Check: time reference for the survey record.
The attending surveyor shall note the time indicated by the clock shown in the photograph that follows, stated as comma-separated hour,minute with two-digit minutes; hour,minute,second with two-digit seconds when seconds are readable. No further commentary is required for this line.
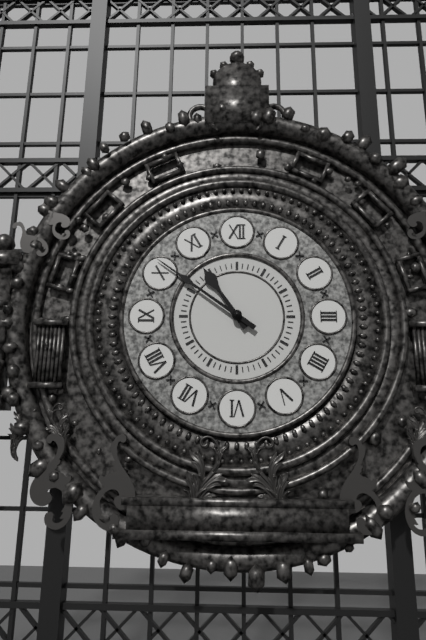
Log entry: 10,51
